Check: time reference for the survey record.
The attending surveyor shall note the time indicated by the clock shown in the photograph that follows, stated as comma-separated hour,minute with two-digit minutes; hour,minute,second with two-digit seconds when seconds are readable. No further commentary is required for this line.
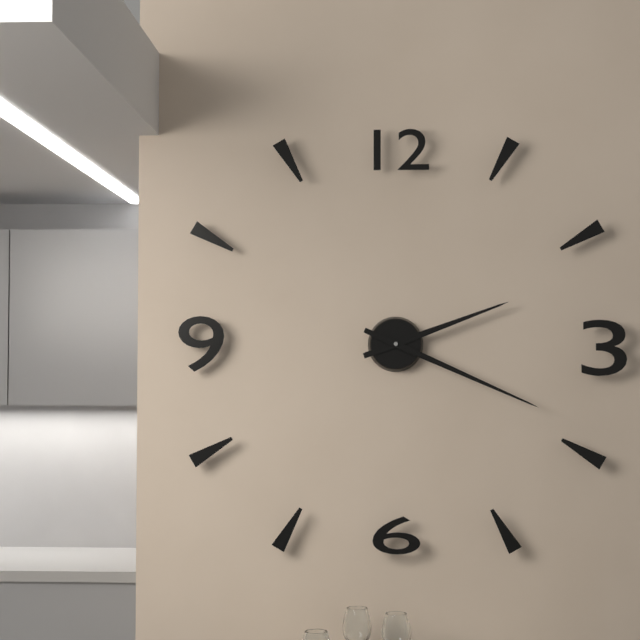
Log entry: 2,19
